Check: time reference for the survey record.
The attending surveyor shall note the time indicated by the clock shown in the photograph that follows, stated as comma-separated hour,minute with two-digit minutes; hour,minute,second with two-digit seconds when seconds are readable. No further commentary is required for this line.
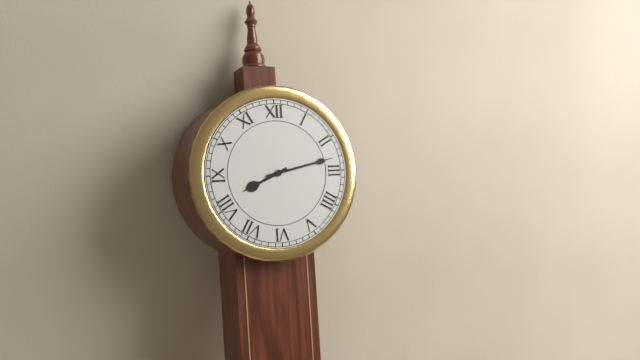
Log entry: 8,13
